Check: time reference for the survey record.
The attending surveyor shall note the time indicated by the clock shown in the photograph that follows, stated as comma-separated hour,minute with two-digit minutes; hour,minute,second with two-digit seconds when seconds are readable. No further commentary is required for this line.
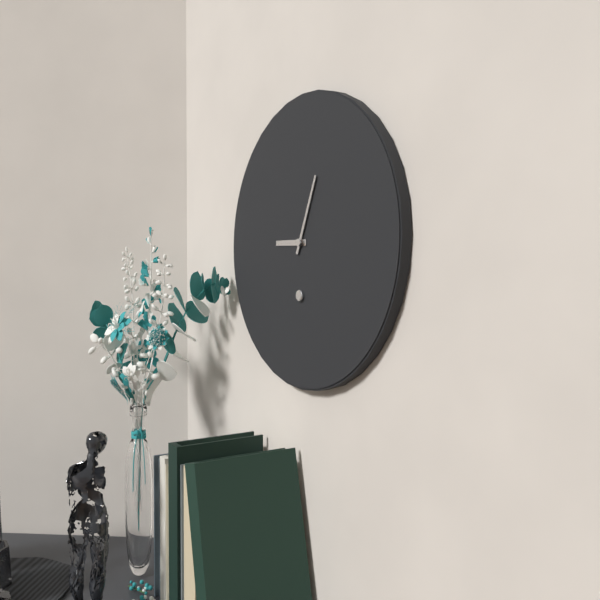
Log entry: 9,04
